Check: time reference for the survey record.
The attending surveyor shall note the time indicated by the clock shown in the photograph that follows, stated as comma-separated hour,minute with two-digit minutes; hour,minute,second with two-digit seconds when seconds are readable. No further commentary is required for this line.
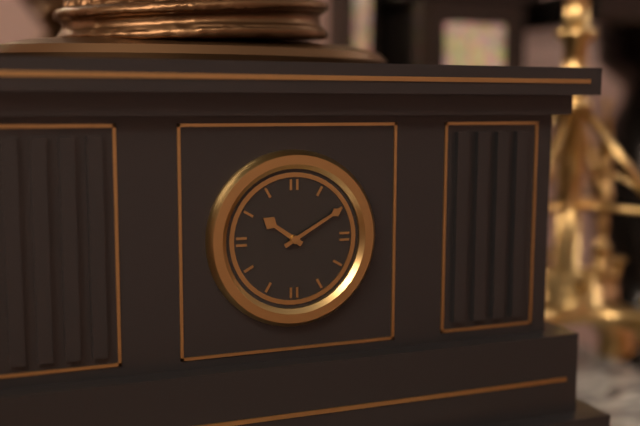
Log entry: 10,10
